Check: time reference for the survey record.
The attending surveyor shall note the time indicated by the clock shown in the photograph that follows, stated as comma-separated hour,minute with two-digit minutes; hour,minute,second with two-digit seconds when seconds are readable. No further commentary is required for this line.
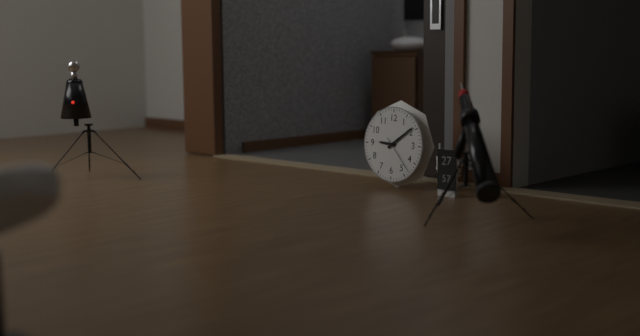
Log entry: 9,09
